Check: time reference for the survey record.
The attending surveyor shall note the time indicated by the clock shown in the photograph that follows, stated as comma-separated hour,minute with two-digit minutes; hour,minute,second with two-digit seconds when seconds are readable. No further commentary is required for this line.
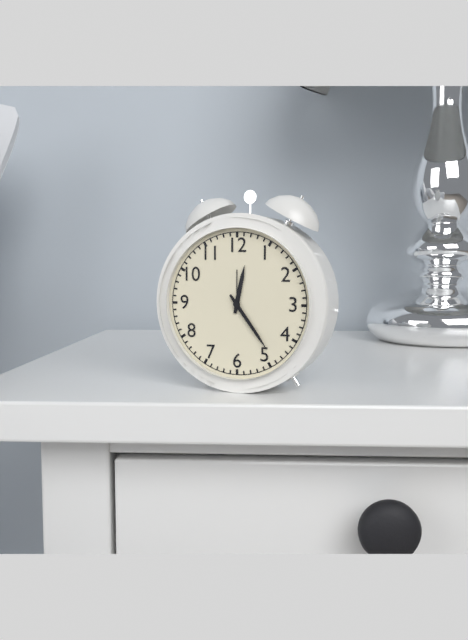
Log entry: 12,24
